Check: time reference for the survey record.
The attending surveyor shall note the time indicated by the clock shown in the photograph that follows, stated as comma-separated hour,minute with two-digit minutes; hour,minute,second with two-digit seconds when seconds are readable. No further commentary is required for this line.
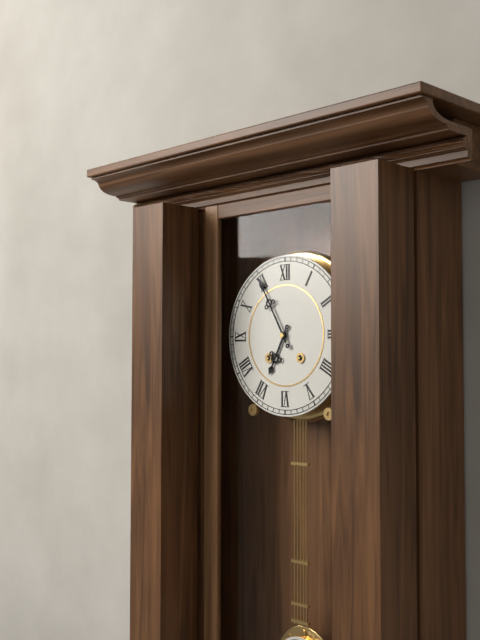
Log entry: 6,55
